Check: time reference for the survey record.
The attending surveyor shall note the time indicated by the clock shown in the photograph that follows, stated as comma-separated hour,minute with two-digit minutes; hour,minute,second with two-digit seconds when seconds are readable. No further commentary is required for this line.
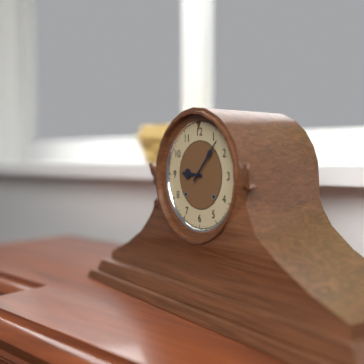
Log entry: 9,07
